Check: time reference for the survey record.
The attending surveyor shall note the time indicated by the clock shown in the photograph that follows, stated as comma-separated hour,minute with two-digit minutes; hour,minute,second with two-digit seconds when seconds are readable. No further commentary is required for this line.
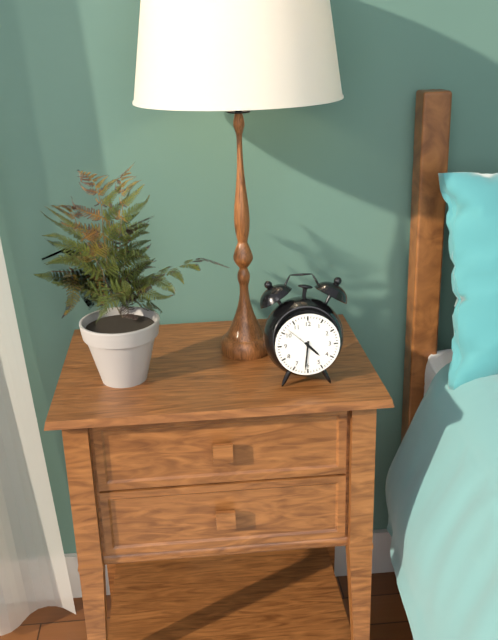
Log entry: 4,31
